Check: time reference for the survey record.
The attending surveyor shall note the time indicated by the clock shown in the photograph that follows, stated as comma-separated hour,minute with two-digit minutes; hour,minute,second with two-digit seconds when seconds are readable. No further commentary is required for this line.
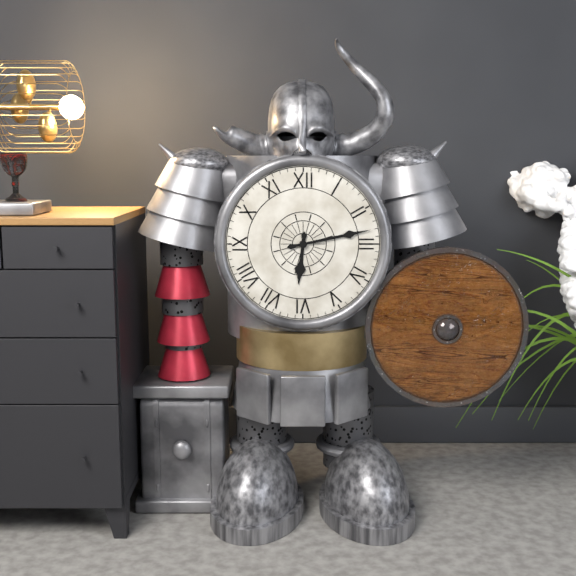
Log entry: 6,13
